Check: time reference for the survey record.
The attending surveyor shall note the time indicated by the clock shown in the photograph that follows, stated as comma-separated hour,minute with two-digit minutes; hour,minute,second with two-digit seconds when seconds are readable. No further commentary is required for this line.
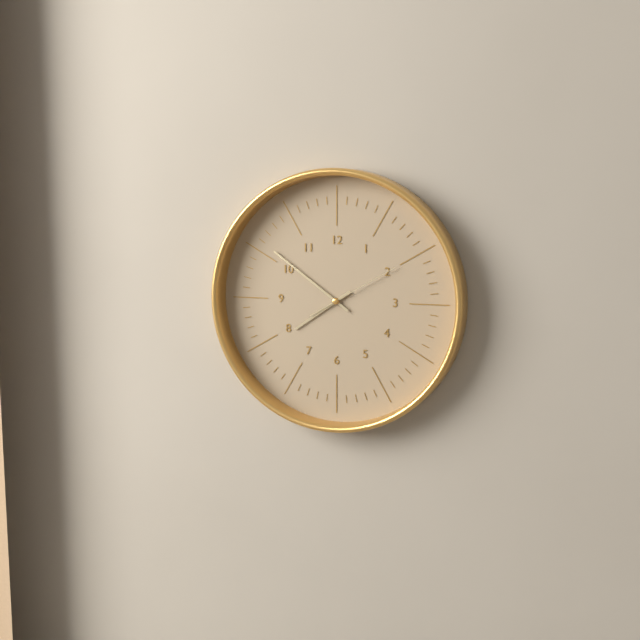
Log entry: 7,51,10
